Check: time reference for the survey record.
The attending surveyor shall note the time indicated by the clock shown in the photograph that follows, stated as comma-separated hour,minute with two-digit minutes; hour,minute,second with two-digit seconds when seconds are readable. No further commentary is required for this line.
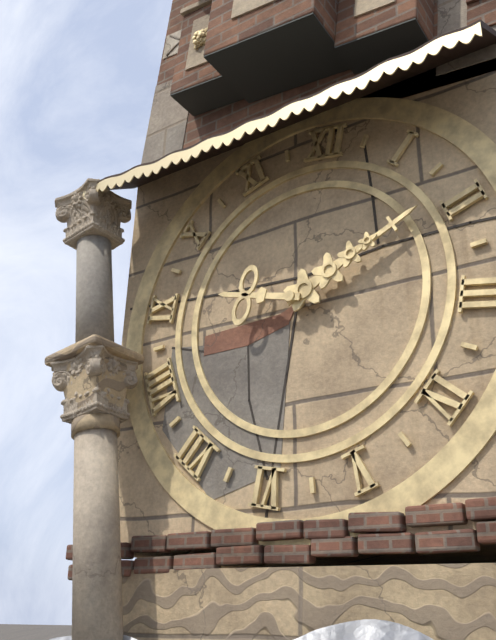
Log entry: 9,09
